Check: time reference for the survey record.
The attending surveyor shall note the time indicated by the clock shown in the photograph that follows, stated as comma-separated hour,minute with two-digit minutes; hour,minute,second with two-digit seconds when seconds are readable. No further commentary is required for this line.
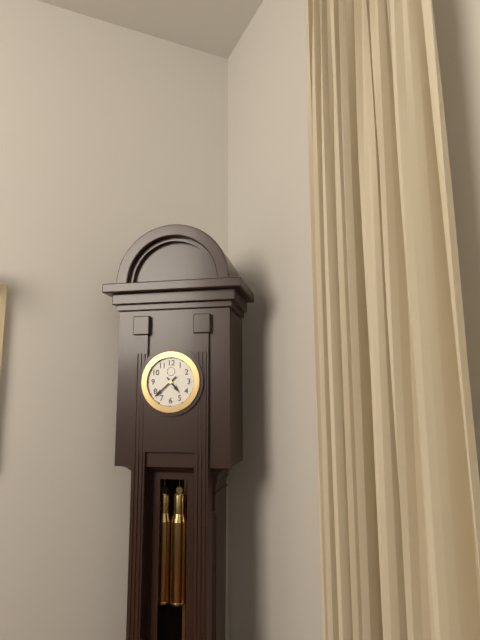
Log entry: 4,38
